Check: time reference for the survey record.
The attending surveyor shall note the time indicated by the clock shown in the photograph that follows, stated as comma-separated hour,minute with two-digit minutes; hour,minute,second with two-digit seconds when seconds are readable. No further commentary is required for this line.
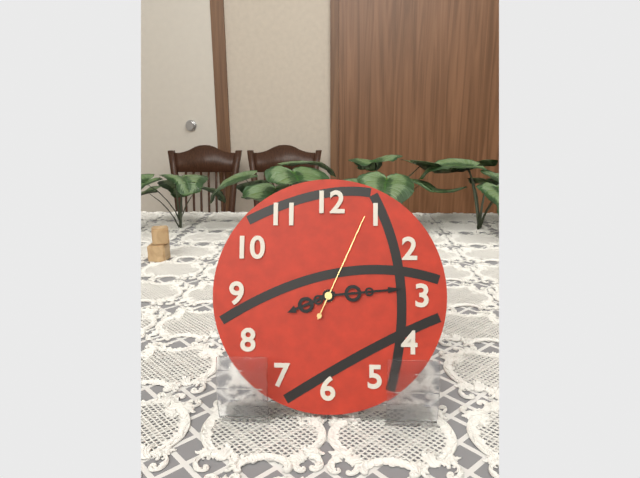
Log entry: 8,14,04
